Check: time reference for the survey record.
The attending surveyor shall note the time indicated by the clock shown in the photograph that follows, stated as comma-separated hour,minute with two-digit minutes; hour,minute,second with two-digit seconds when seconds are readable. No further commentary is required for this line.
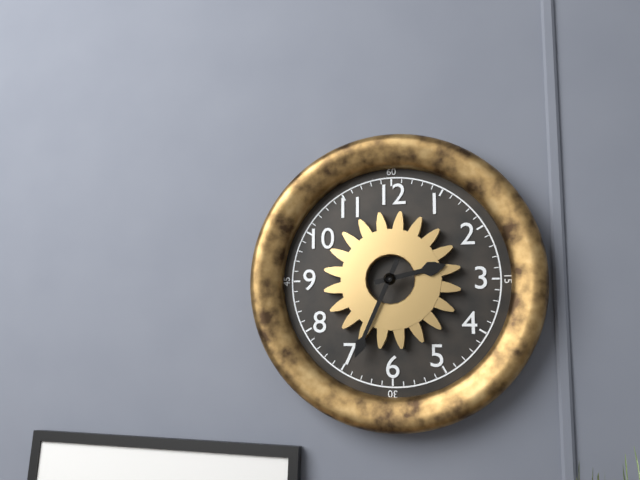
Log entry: 2,34
